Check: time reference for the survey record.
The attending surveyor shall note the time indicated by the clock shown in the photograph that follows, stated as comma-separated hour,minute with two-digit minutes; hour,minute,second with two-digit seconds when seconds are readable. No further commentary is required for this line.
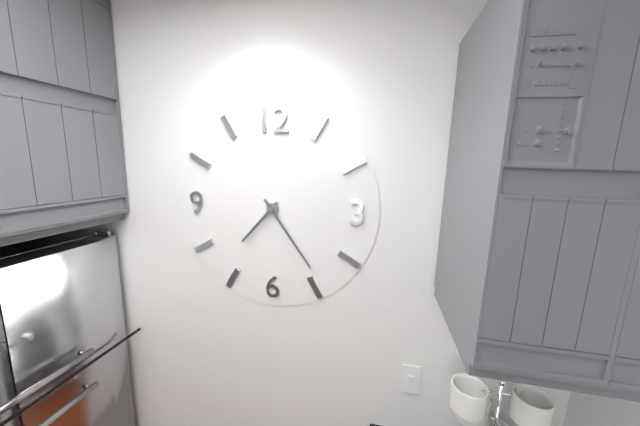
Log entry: 7,24
